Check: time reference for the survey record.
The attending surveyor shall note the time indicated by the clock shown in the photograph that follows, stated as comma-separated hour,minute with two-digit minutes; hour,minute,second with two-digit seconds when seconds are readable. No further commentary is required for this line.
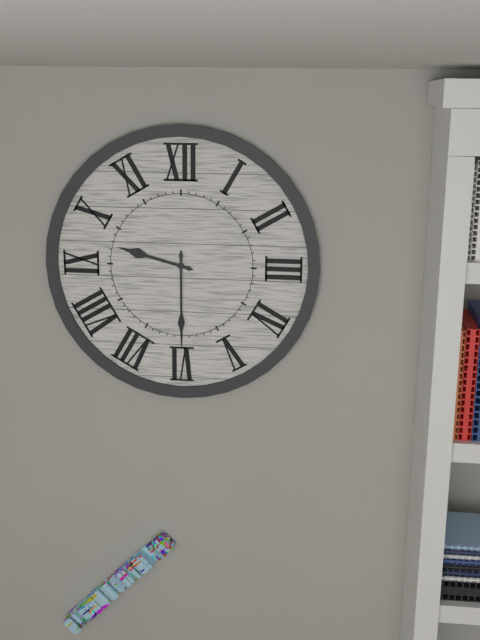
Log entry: 9,30
